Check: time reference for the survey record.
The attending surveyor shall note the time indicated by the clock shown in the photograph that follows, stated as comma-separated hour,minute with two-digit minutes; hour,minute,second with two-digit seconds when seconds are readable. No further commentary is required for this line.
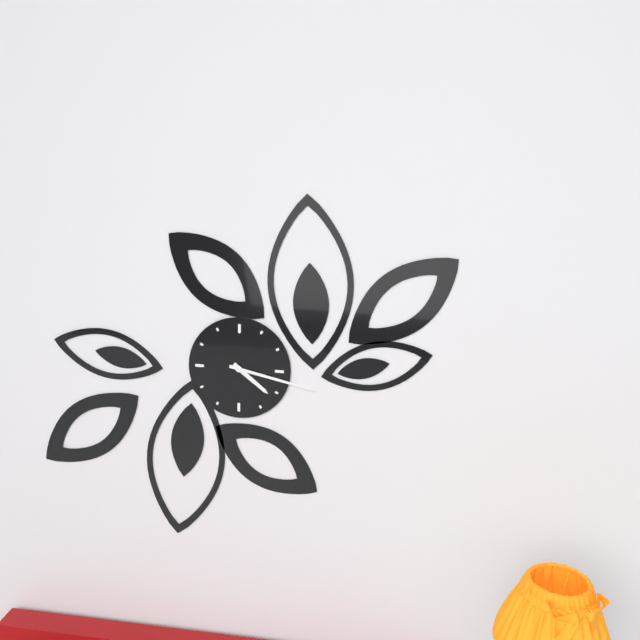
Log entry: 4,17
